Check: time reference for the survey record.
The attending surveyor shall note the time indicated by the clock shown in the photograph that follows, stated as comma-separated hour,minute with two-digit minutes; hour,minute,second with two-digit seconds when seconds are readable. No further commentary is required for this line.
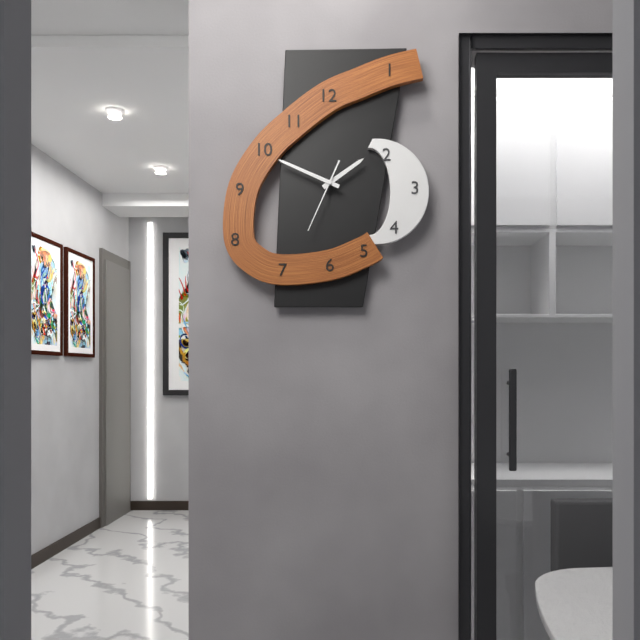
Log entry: 1,49,34
